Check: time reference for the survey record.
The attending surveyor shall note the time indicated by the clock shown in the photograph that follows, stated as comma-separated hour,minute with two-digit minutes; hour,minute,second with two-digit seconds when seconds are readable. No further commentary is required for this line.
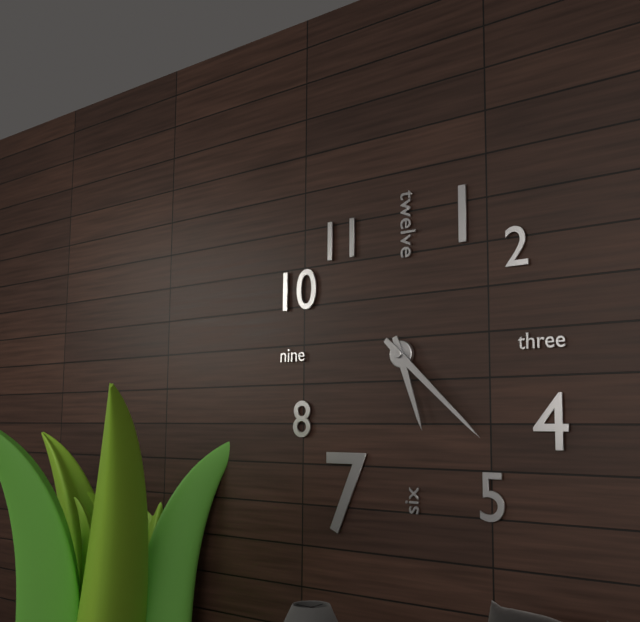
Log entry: 5,22
